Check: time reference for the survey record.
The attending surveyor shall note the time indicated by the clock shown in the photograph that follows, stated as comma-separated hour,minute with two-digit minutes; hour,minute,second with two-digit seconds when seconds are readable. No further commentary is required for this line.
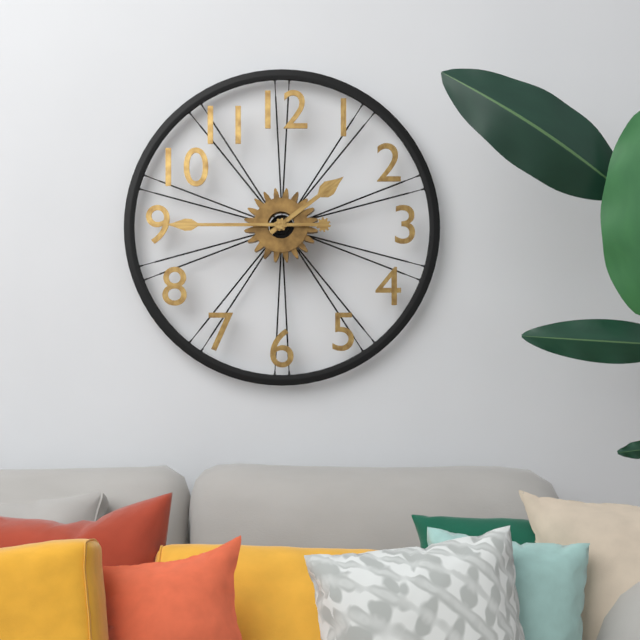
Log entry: 1,45
